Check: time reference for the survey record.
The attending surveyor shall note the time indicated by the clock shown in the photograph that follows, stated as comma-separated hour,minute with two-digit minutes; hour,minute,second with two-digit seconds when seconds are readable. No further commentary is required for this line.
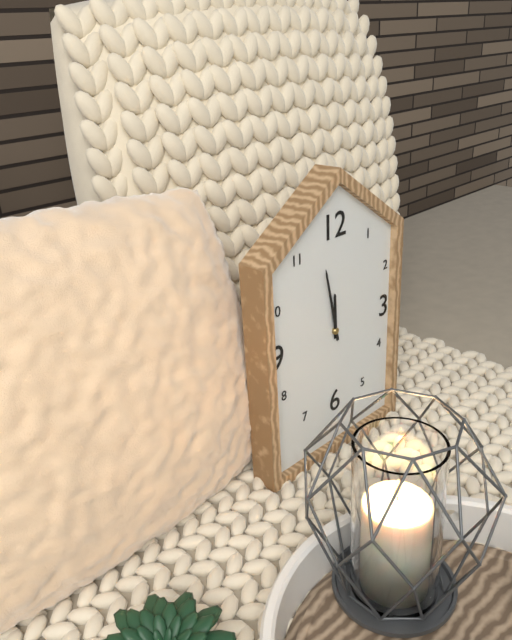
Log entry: 11,58
